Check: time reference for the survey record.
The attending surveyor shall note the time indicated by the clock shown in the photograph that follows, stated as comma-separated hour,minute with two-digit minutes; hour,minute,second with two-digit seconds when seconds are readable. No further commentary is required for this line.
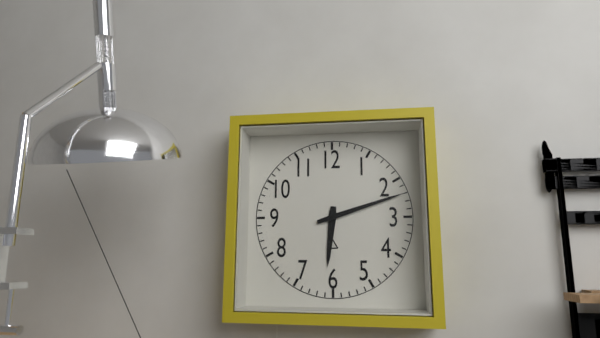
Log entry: 6,12
